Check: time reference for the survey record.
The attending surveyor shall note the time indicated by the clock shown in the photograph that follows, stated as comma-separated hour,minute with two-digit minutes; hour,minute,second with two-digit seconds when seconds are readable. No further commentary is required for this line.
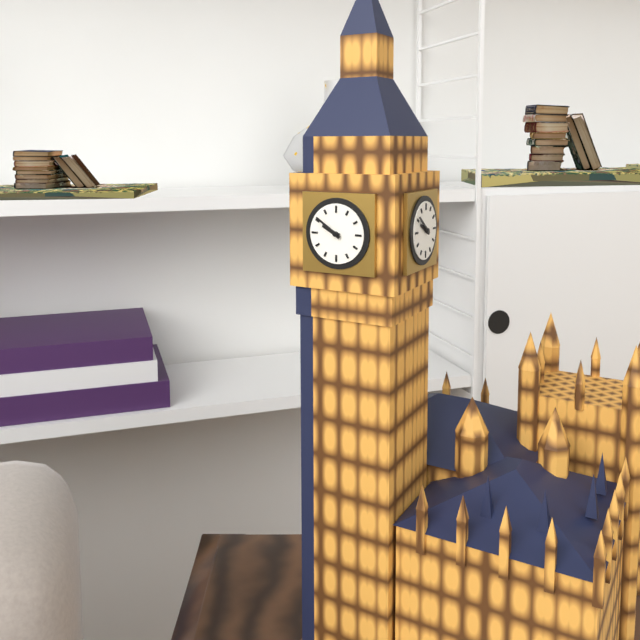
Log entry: 9,51
